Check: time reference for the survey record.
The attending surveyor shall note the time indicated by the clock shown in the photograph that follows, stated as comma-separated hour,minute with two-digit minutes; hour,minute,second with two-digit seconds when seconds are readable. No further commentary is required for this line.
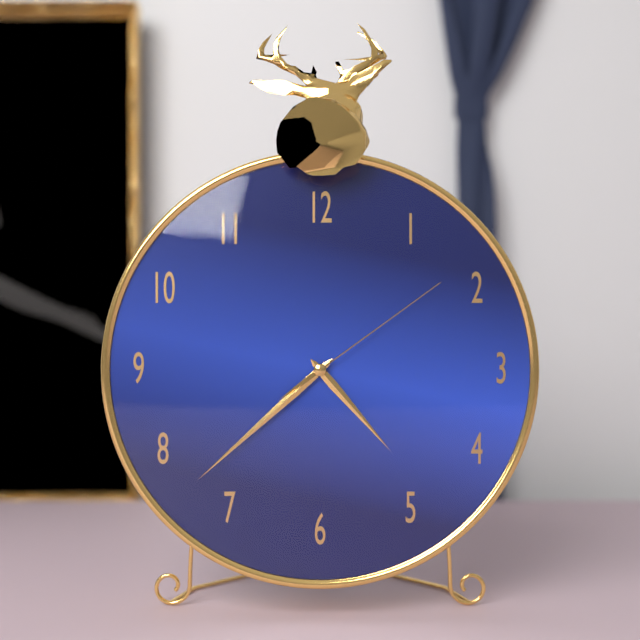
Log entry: 4,38,09
